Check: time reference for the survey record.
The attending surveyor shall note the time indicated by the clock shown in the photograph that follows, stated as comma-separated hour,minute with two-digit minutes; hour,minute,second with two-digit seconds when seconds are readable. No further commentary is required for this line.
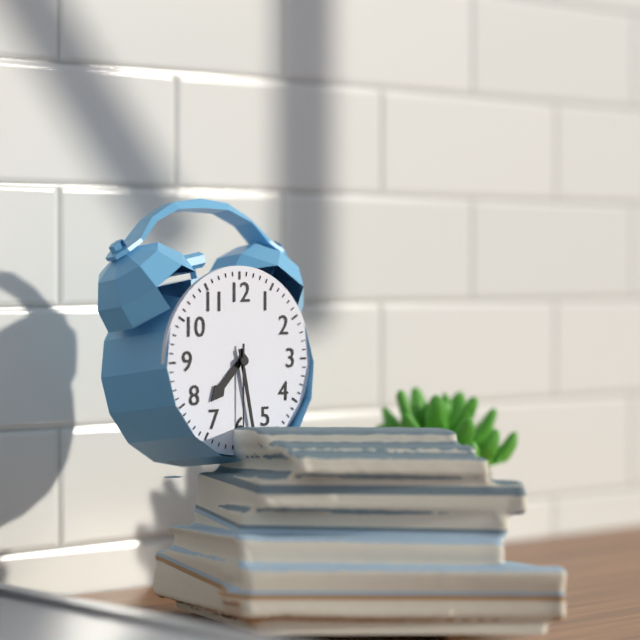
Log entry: 7,28,30
